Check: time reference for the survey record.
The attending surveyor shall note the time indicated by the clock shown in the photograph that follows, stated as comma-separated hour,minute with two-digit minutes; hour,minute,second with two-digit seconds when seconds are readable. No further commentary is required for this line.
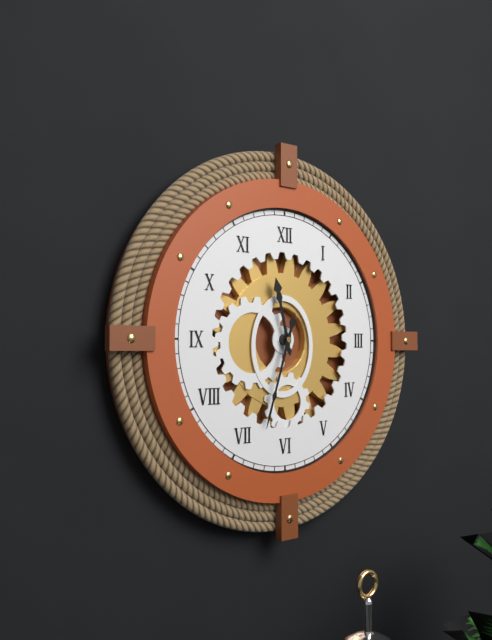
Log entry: 11,33
